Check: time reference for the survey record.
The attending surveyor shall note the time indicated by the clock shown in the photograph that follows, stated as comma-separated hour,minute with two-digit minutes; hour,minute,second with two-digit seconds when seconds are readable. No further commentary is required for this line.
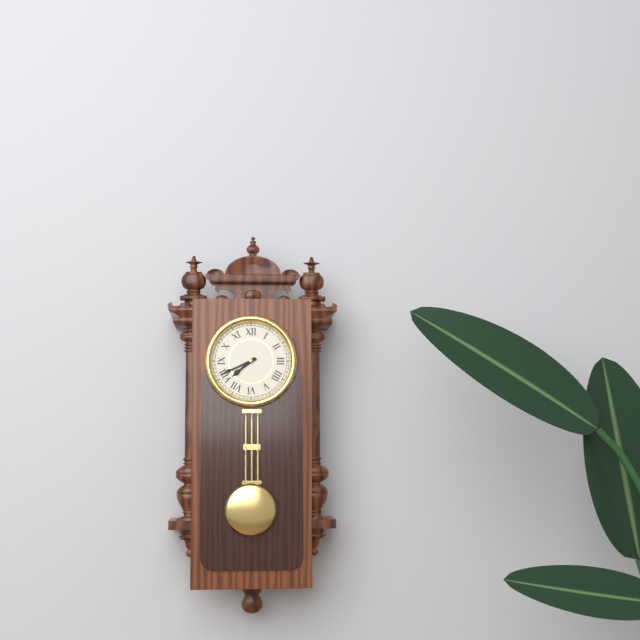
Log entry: 7,41
